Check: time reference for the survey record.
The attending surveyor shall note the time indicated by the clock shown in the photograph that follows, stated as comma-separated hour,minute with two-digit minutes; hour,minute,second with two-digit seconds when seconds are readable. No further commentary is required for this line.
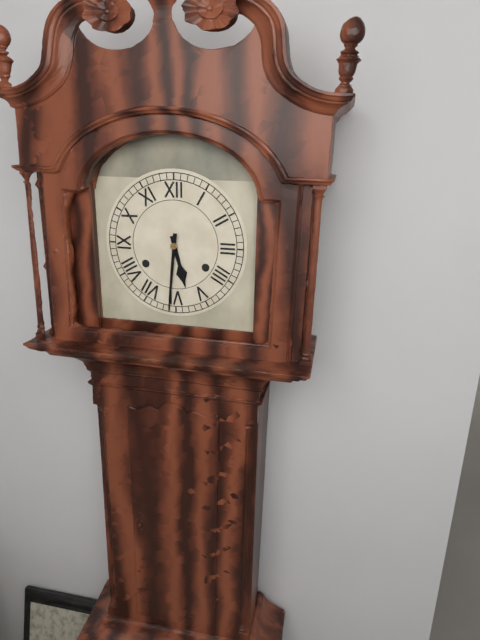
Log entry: 5,31
